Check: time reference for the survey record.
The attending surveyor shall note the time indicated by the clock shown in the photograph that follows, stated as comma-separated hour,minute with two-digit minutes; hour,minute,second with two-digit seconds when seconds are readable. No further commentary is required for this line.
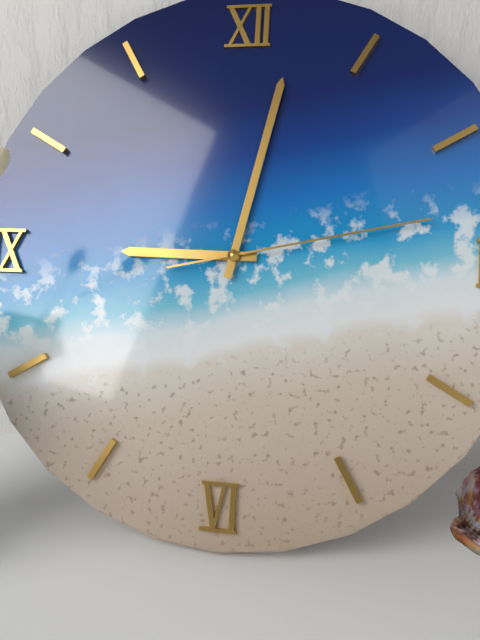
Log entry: 9,02,13
